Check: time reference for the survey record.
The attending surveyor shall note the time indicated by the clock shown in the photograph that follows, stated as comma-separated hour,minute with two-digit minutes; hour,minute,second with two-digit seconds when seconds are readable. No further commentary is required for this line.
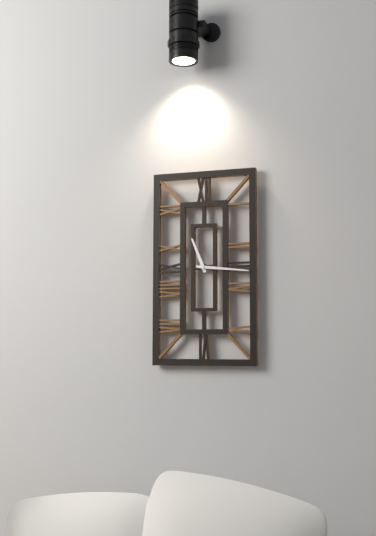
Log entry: 11,16
